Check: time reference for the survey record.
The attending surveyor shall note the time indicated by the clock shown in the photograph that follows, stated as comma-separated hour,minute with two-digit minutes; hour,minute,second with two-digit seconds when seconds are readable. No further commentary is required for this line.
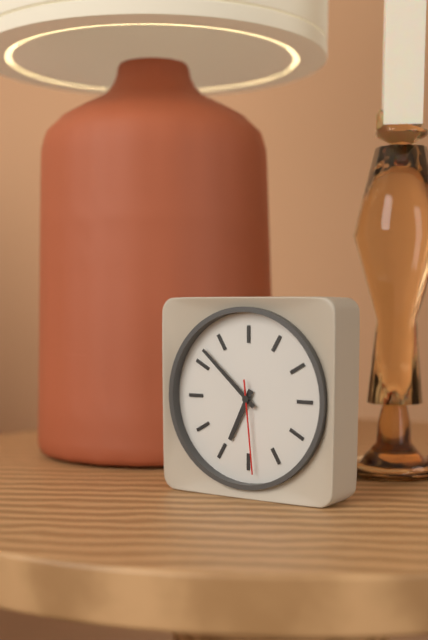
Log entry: 6,52,29
